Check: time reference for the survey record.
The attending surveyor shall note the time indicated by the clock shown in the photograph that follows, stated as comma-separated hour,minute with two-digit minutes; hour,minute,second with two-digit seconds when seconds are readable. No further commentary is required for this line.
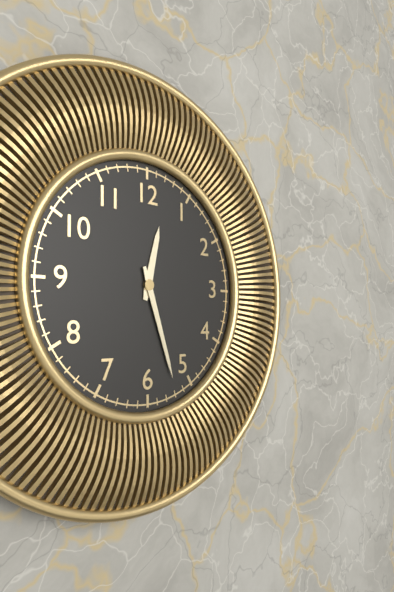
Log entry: 12,27
